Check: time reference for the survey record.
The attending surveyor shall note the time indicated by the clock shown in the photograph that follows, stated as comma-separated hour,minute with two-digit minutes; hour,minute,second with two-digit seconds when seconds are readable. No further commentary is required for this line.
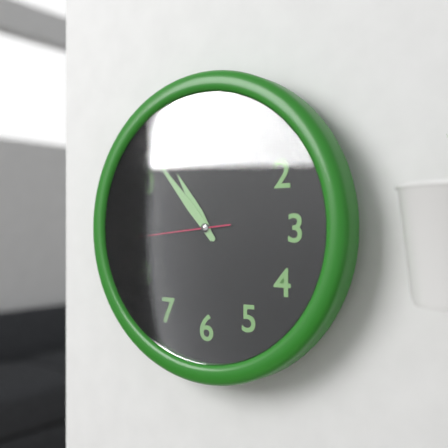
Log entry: 10,53,44
